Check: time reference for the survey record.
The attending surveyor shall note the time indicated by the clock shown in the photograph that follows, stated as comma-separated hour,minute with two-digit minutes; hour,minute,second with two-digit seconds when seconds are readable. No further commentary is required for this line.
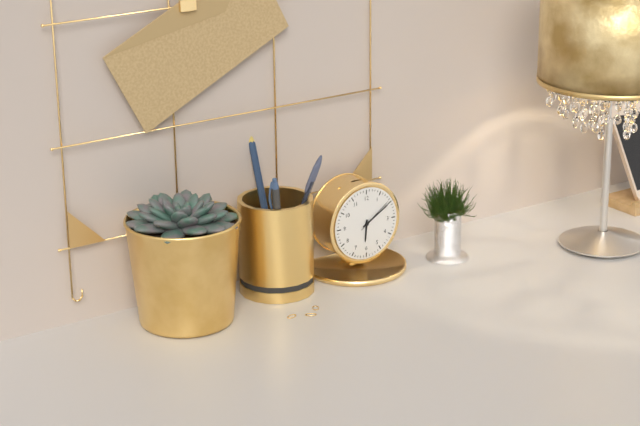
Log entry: 6,10
